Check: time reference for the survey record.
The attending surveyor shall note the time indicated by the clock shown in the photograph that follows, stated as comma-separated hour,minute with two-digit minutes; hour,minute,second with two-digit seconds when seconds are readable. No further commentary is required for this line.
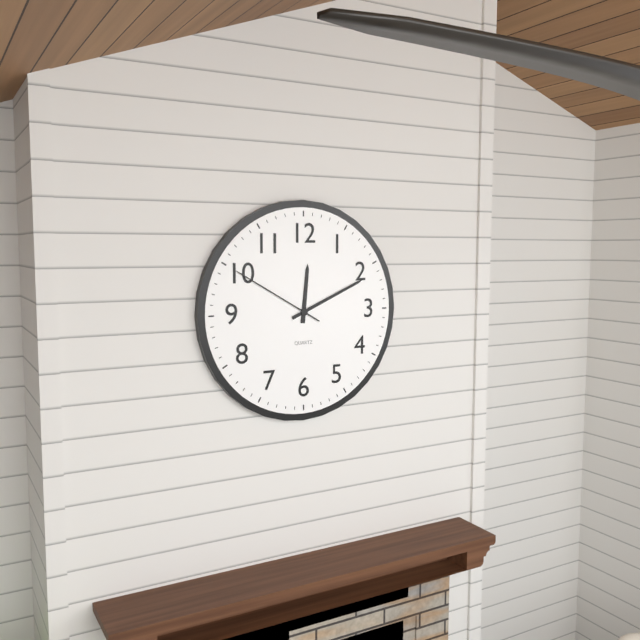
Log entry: 12,11,50
